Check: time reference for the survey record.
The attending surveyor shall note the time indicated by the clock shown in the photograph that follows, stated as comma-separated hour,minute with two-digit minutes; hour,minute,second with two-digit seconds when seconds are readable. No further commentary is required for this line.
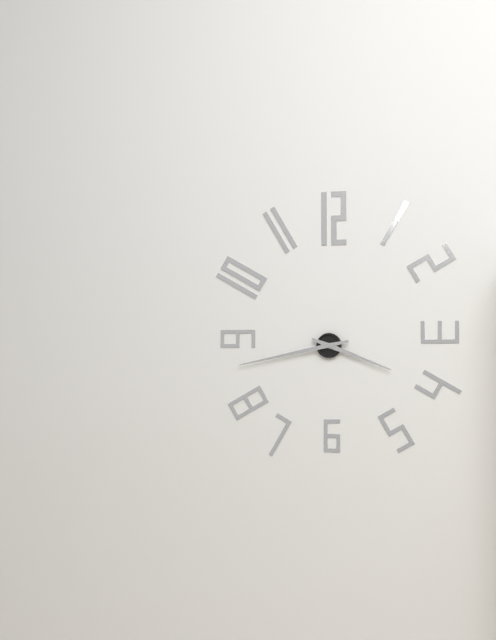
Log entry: 3,43
